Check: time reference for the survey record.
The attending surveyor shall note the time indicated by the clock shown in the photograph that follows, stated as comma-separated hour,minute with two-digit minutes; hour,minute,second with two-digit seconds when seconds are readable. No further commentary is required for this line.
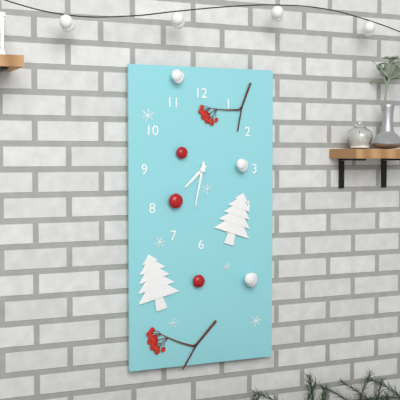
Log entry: 7,32
